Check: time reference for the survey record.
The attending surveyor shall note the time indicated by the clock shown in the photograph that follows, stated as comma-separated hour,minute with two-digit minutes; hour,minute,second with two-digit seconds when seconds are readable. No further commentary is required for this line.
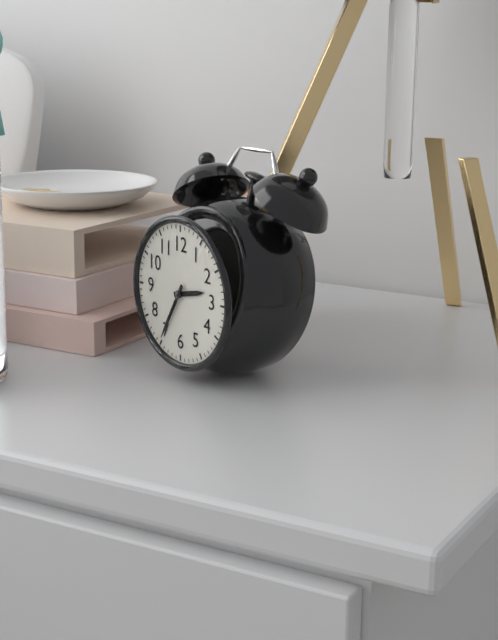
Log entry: 2,35
